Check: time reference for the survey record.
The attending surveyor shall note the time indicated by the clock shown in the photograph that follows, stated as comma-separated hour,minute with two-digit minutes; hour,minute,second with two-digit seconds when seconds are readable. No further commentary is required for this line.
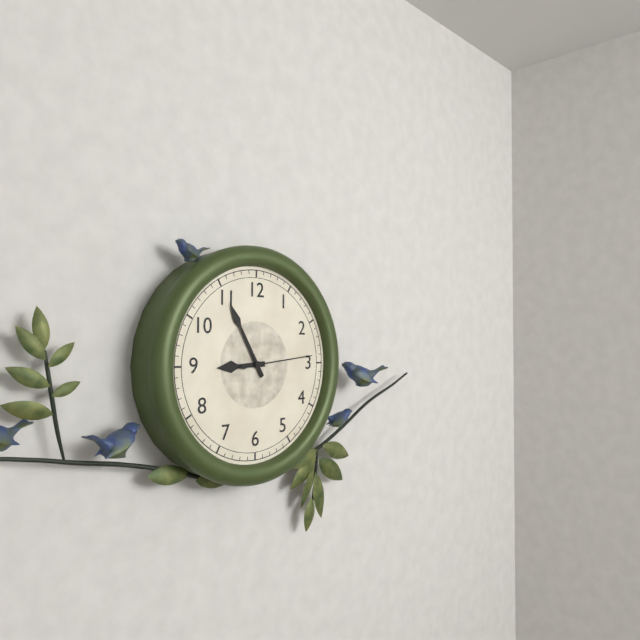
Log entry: 8,55,14
